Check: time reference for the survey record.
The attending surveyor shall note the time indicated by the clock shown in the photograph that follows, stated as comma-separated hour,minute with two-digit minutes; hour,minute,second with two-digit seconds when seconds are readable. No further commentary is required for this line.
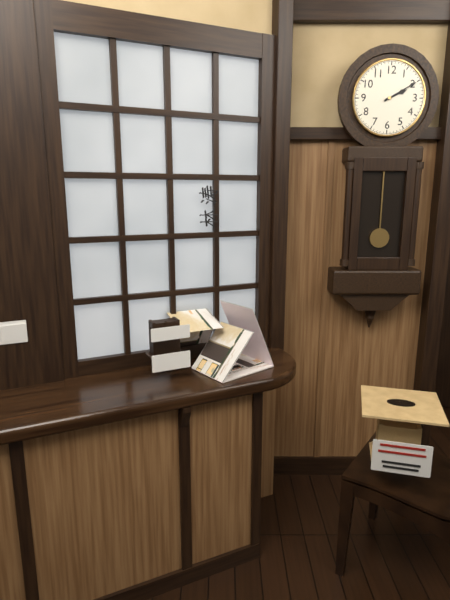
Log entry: 2,10
